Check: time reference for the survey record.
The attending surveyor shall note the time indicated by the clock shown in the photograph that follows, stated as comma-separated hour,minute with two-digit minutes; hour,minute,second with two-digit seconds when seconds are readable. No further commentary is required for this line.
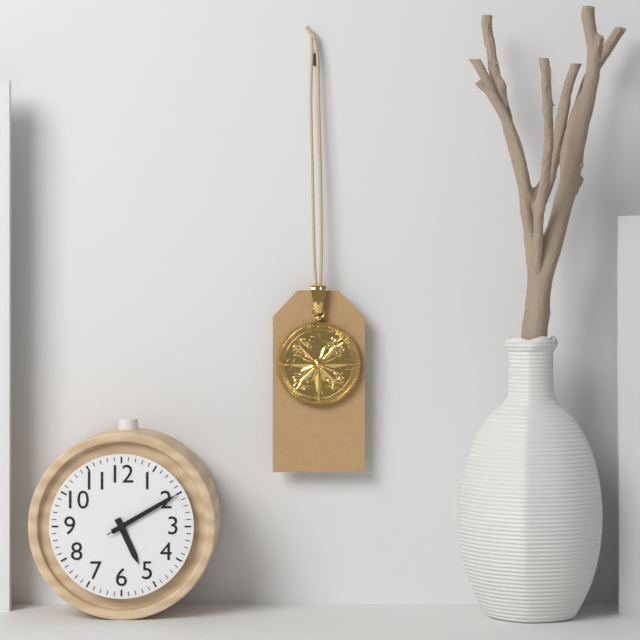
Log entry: 5,10,10
